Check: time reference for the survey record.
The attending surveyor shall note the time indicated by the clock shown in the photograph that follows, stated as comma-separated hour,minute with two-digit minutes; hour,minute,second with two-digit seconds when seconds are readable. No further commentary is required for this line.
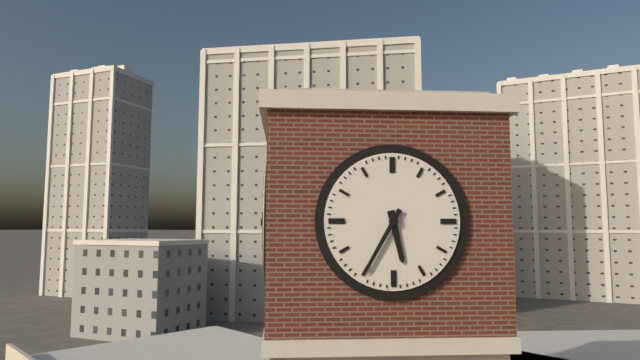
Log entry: 5,35
